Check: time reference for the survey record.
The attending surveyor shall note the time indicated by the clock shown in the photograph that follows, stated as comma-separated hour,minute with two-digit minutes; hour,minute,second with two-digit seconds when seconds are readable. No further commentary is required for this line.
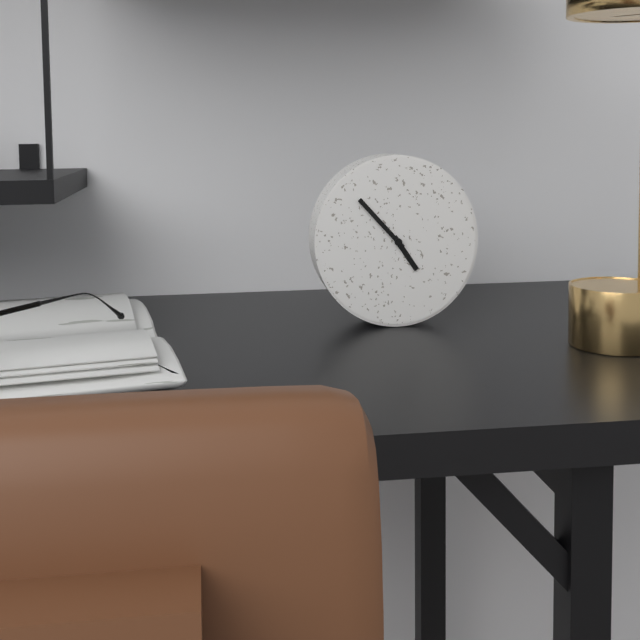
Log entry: 4,53
